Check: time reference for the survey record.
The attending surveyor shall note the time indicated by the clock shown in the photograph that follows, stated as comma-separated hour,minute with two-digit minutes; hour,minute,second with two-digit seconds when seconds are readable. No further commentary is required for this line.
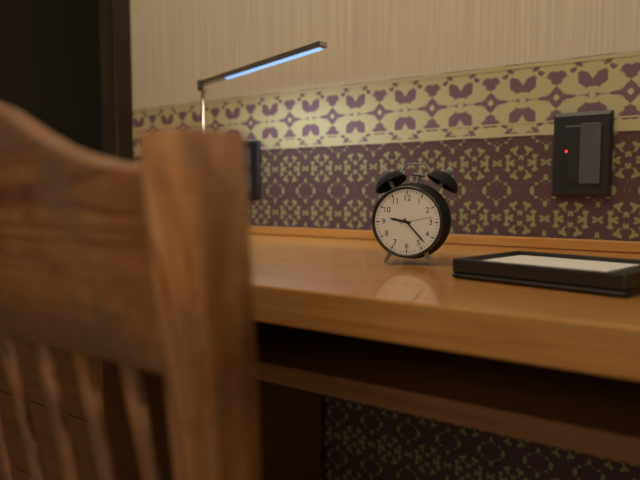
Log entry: 9,23
